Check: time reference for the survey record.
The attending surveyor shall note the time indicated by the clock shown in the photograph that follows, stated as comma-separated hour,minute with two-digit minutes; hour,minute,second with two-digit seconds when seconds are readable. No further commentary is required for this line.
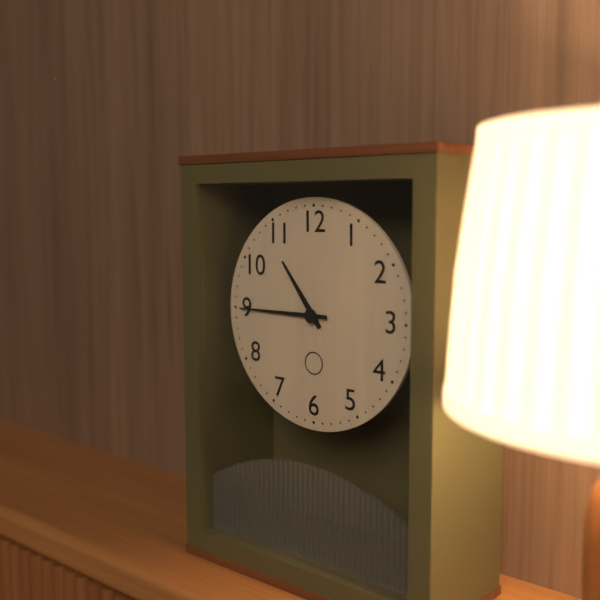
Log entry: 10,45
